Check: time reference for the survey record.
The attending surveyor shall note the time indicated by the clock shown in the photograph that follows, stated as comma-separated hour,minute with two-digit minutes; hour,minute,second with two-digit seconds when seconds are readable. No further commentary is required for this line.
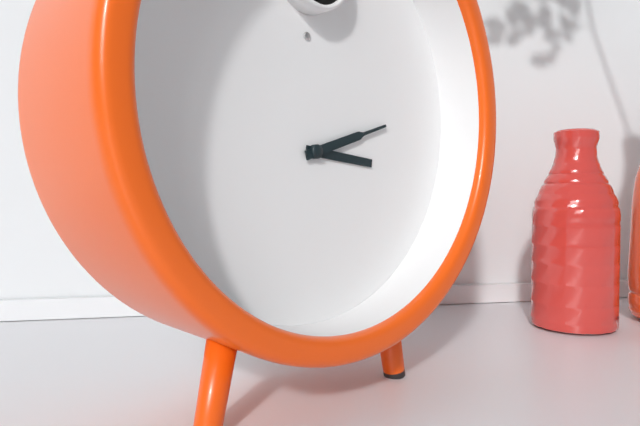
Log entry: 3,12
